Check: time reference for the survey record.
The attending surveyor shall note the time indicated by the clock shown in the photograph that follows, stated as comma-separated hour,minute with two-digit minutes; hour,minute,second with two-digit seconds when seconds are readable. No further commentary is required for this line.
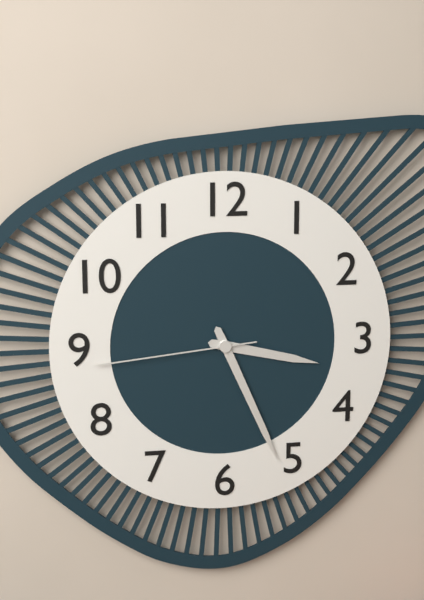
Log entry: 3,26,44
